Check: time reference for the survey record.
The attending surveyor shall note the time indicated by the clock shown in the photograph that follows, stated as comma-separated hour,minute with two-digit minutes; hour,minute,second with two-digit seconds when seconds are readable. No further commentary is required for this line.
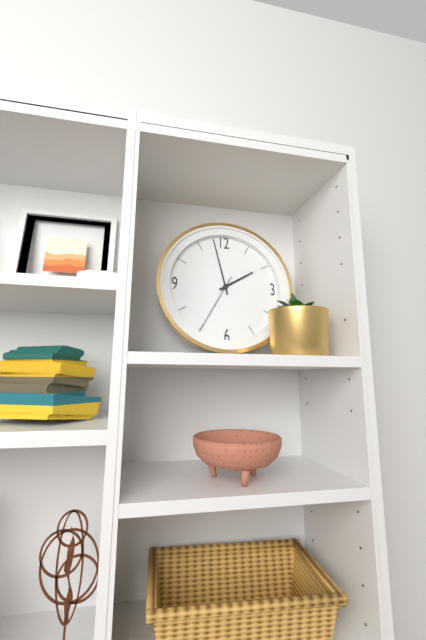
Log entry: 1,58,35
